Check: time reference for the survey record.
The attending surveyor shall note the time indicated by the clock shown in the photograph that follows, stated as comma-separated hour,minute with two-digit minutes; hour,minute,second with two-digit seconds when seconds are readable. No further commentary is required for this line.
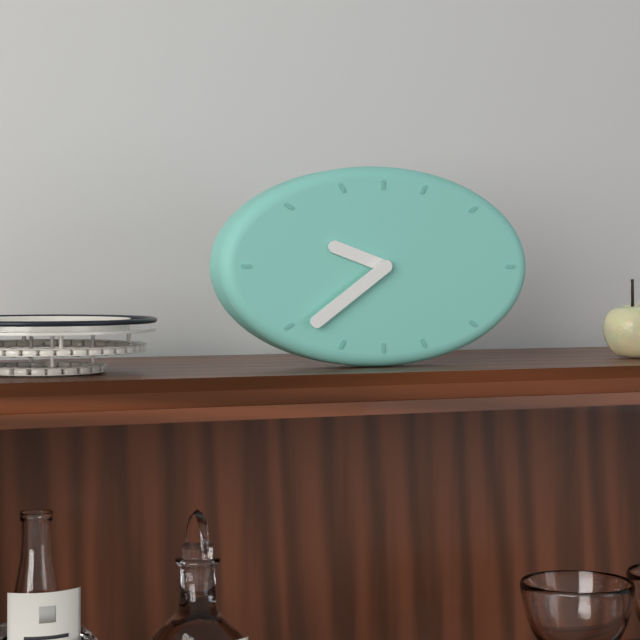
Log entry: 9,39
